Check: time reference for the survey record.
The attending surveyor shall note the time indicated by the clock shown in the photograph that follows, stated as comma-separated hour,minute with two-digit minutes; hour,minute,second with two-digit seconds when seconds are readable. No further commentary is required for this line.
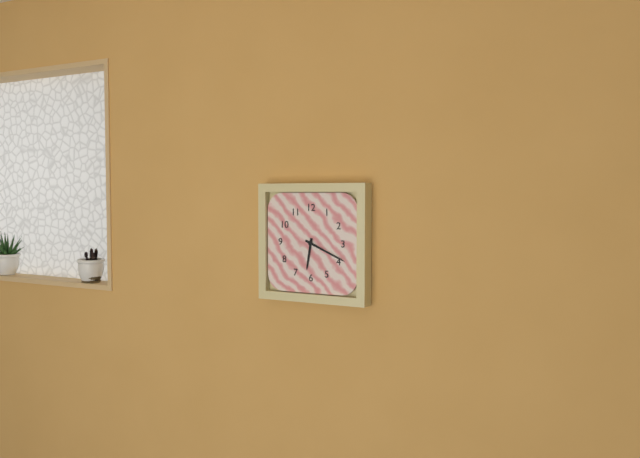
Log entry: 6,19
